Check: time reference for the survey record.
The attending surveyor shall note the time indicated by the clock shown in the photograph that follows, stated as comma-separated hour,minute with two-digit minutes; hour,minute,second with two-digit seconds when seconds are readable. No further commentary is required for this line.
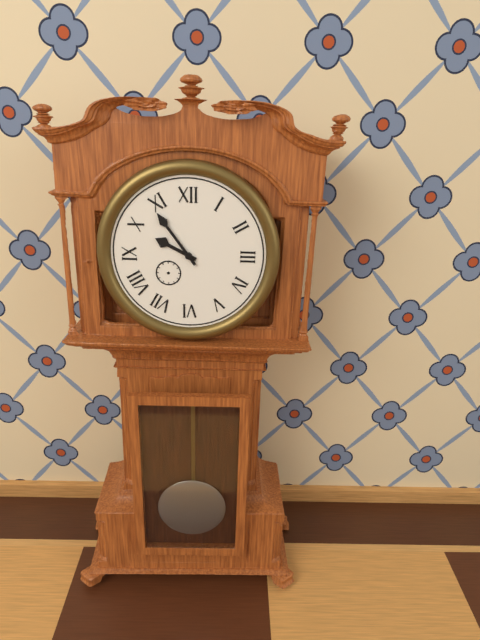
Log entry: 9,54
